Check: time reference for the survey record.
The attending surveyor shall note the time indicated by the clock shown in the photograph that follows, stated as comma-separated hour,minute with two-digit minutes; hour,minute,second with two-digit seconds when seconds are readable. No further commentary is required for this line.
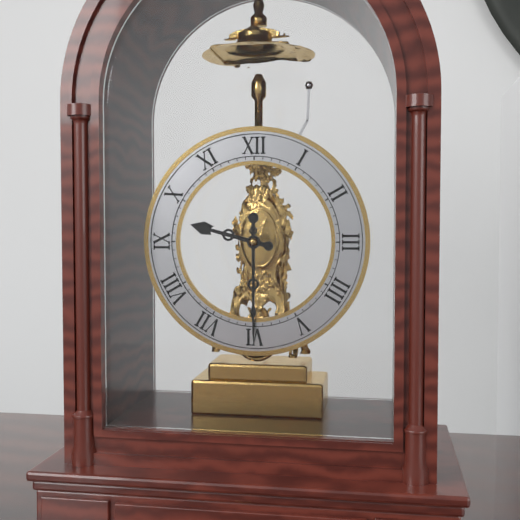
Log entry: 9,30
